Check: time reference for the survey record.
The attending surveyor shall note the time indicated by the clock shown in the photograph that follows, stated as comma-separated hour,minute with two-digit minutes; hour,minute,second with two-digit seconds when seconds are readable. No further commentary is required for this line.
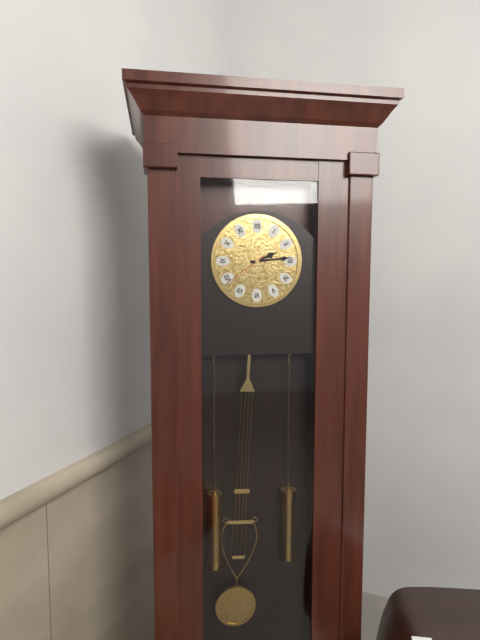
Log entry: 2,14
